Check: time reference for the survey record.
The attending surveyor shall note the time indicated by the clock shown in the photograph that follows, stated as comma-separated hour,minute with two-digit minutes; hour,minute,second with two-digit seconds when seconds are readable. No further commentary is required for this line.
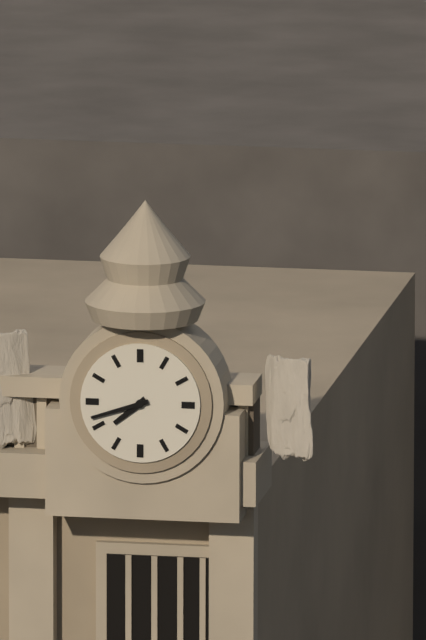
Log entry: 7,42
